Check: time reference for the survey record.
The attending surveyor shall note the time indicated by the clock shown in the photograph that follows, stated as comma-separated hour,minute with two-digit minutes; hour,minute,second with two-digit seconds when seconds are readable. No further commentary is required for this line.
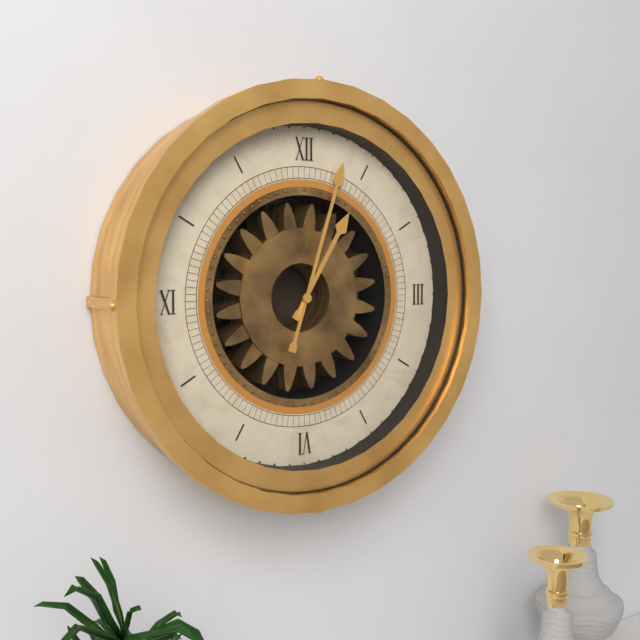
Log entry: 1,03
